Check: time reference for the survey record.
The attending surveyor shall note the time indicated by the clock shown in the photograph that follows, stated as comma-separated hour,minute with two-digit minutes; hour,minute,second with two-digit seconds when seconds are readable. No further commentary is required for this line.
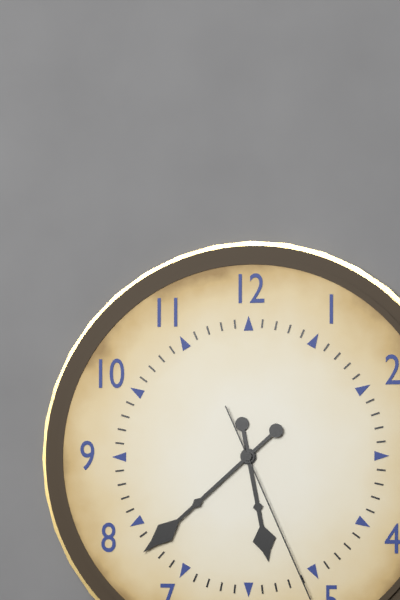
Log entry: 5,38
